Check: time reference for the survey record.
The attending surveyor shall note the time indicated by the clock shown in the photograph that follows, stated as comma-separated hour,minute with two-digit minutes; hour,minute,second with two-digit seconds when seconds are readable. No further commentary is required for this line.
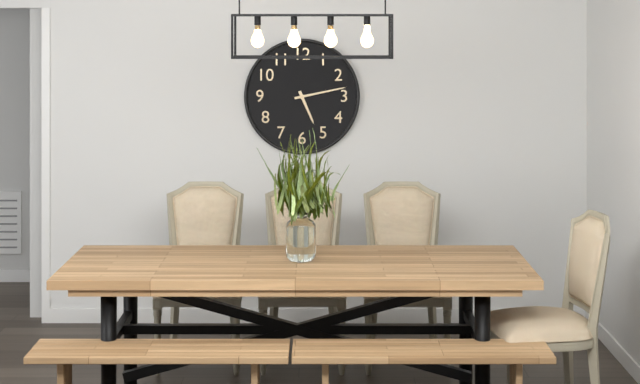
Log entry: 5,13
